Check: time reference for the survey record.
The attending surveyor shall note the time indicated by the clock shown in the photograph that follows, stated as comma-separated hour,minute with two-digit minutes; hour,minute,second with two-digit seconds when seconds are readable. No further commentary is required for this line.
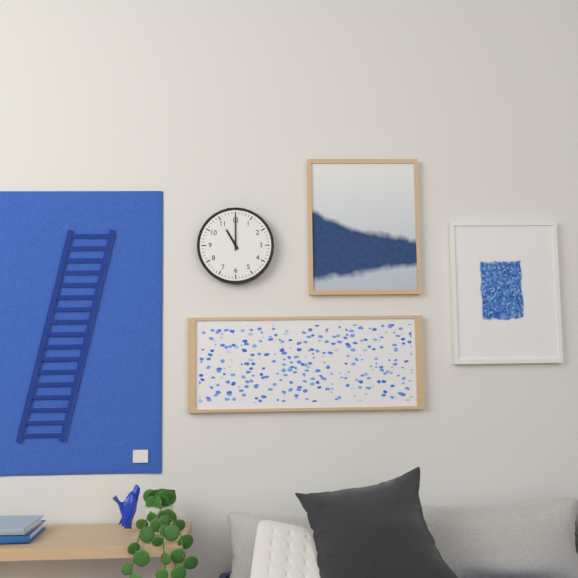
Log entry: 11,00
